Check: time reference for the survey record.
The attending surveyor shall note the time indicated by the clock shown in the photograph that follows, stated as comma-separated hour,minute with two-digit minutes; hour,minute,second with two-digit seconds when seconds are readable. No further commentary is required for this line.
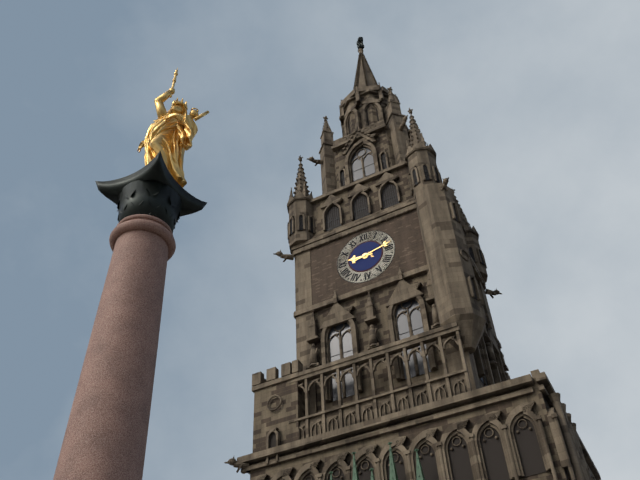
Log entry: 9,13
